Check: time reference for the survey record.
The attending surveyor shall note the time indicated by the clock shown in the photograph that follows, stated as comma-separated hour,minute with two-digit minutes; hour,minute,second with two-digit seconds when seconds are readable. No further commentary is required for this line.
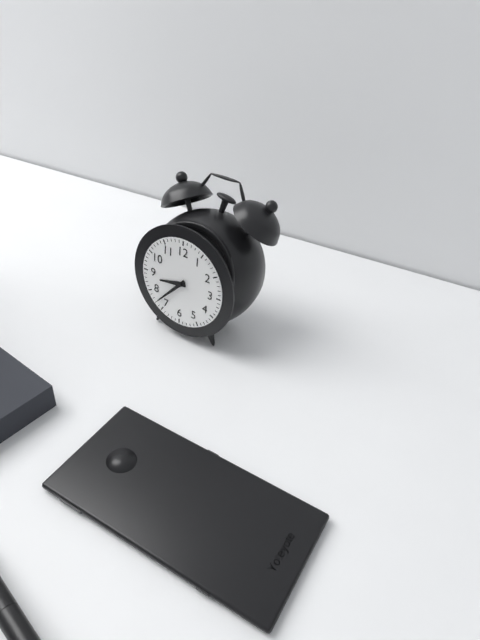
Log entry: 8,37
